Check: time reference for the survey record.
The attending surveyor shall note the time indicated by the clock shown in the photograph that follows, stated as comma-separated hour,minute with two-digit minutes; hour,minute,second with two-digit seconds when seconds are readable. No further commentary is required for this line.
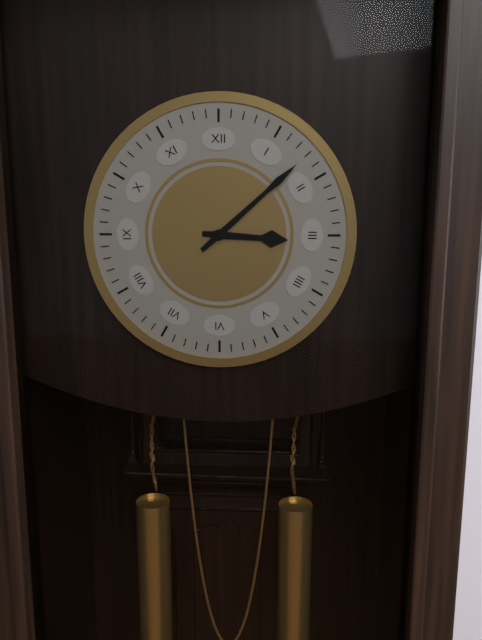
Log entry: 3,08
